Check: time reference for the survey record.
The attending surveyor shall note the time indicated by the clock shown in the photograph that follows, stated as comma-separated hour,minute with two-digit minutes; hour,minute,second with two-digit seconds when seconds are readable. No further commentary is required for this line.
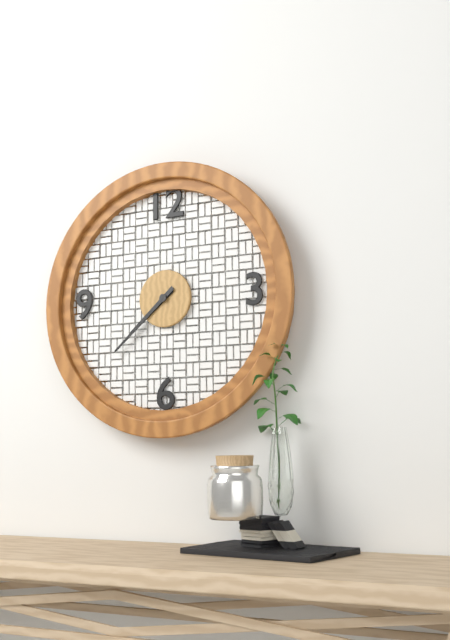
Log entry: 7,38
